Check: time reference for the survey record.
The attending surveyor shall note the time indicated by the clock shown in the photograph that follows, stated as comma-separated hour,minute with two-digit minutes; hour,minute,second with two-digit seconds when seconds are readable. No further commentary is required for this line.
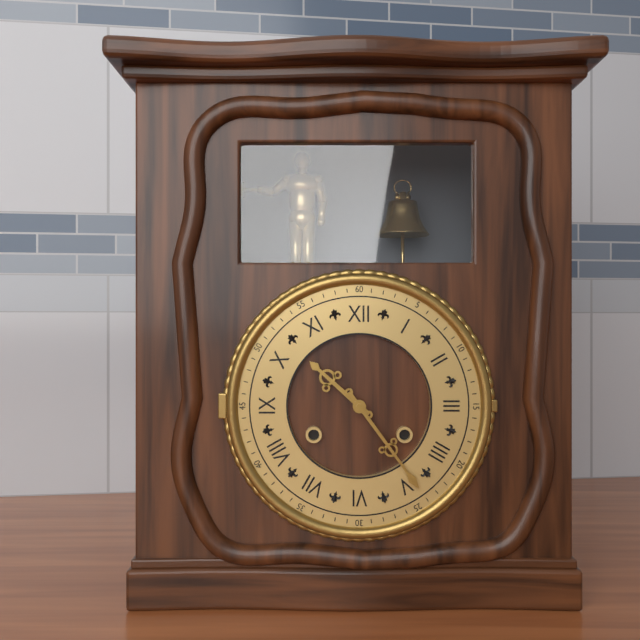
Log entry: 10,24
